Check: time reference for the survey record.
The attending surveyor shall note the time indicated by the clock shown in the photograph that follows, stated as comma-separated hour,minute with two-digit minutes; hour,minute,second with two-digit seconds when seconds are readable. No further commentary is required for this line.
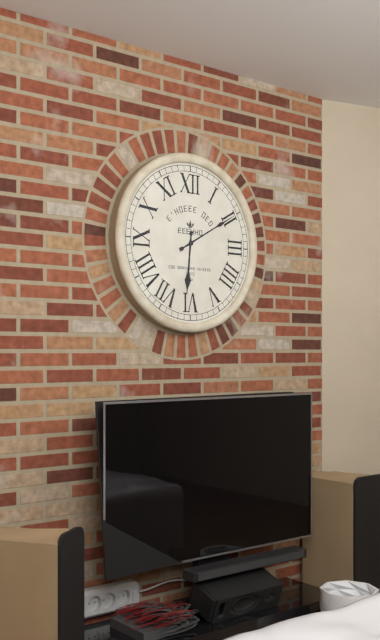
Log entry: 6,10
